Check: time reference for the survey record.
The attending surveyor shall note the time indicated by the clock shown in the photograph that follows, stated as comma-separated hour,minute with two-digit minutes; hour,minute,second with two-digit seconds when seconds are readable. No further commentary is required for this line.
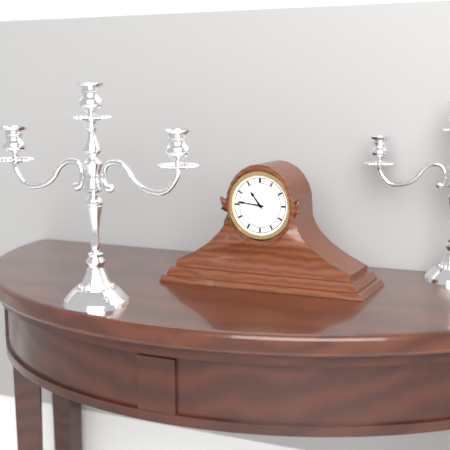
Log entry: 10,46
